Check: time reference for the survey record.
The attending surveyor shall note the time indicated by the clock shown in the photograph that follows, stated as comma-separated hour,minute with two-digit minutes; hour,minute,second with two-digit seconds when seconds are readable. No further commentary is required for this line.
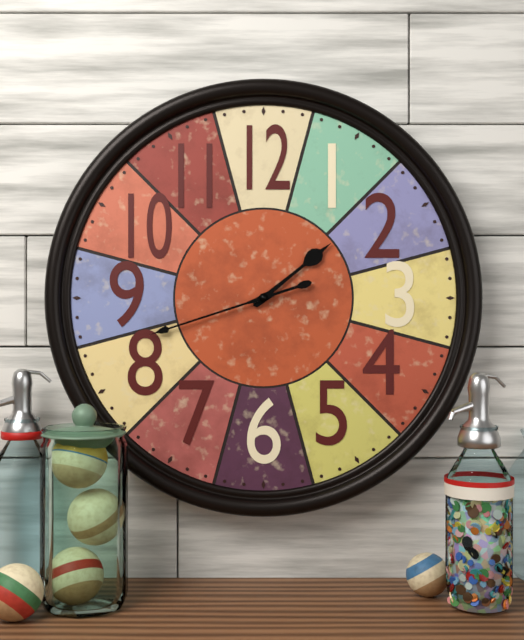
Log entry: 1,42
